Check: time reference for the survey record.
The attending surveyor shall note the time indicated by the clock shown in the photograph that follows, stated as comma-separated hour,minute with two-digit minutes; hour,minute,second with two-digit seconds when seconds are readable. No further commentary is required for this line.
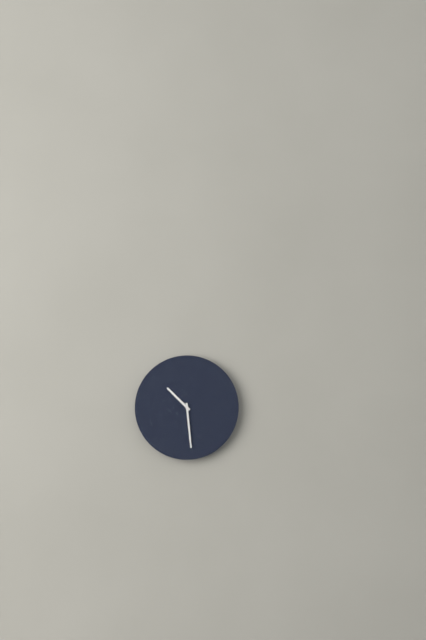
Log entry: 10,29
